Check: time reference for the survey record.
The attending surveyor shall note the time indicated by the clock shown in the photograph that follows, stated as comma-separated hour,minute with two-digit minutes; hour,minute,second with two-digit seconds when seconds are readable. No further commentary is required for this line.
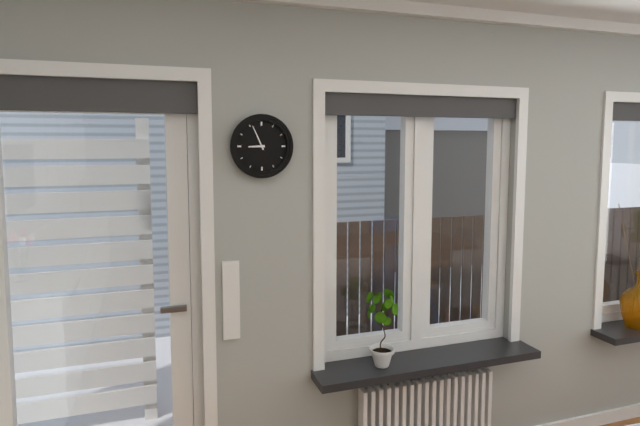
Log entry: 8,56
